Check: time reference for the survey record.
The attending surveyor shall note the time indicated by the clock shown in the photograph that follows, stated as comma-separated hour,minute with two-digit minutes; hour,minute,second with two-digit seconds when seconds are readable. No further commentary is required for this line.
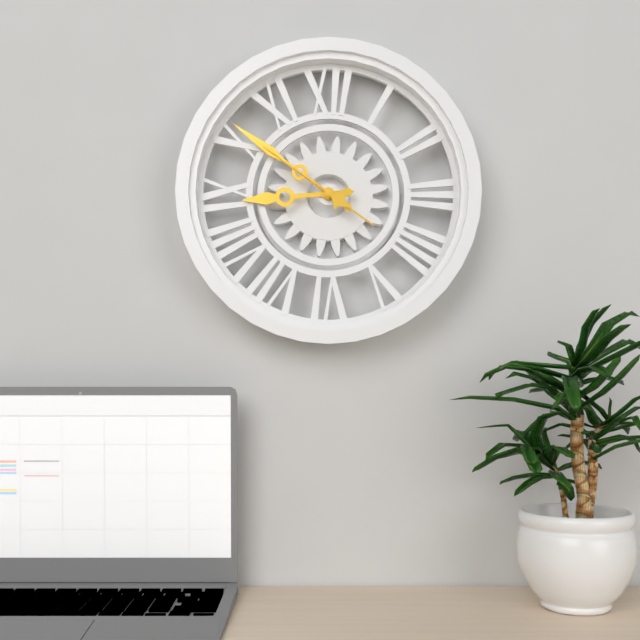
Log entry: 8,51,51
